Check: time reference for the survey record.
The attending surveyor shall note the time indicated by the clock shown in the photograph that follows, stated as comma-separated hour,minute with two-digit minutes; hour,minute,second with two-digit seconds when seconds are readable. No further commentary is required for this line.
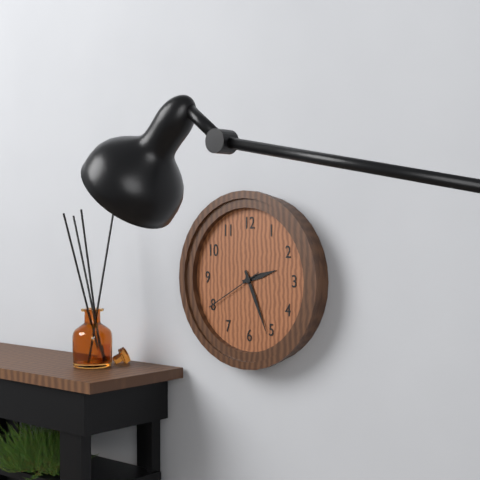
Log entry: 2,26,40
